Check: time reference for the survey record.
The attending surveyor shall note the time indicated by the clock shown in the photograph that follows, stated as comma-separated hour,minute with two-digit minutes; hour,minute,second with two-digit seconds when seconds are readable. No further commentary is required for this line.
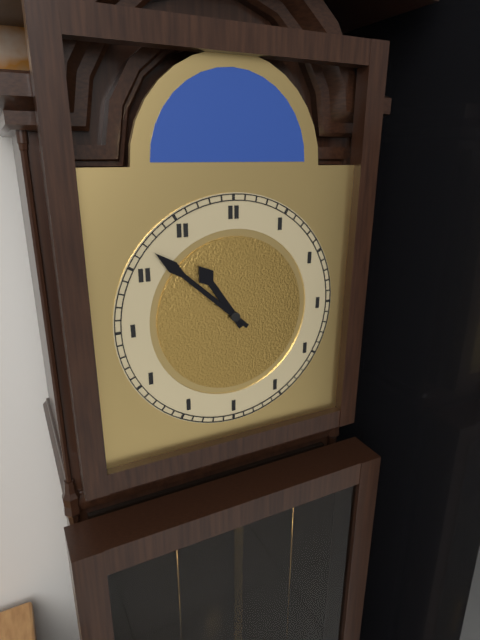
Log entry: 10,52
